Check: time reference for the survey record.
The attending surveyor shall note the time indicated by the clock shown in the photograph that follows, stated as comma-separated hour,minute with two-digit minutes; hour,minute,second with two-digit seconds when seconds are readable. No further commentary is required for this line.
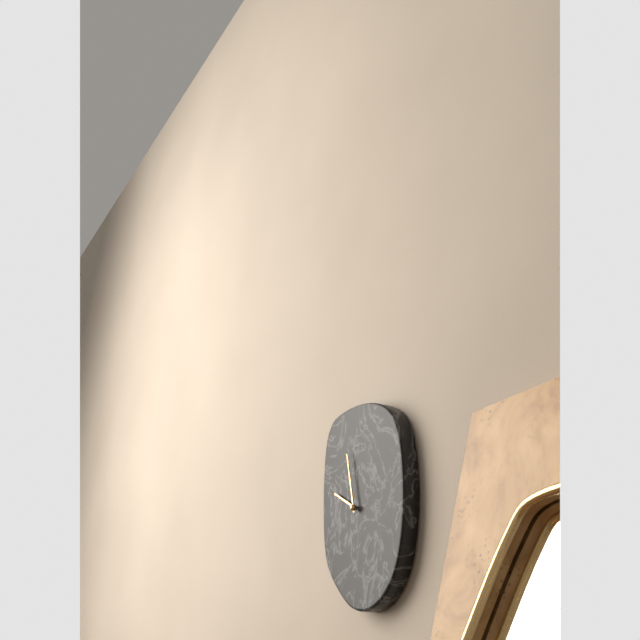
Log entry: 9,58
